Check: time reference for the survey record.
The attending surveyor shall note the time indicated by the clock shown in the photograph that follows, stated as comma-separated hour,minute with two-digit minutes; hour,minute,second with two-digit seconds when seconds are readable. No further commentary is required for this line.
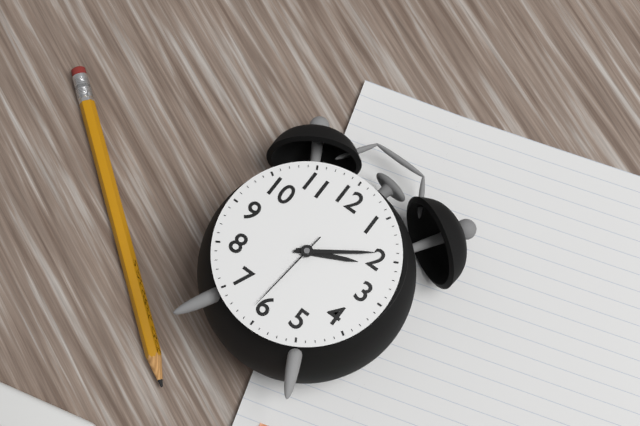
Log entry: 2,09,31
